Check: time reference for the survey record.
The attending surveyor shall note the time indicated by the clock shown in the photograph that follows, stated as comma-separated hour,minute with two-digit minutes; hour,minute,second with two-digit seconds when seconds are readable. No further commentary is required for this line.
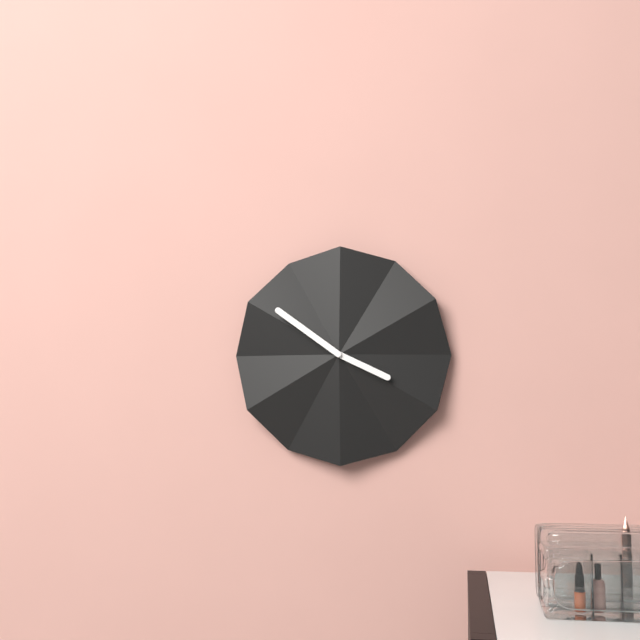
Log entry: 3,51
